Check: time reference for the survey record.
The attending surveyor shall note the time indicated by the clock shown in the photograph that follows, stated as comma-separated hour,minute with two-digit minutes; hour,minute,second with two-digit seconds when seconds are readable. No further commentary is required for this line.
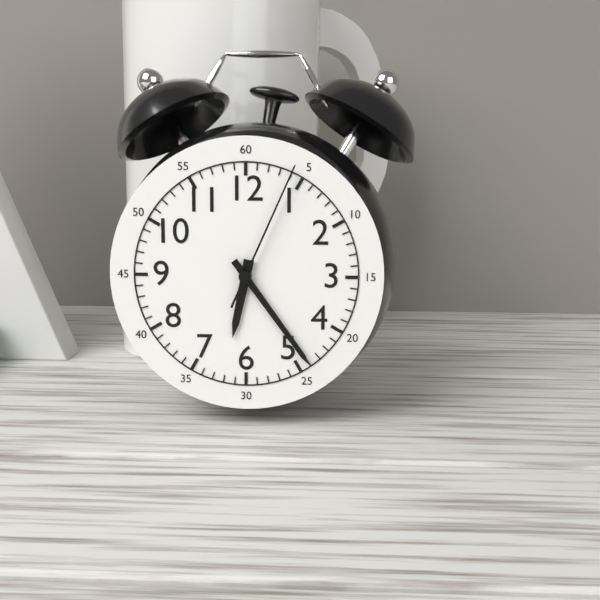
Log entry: 6,24,04
